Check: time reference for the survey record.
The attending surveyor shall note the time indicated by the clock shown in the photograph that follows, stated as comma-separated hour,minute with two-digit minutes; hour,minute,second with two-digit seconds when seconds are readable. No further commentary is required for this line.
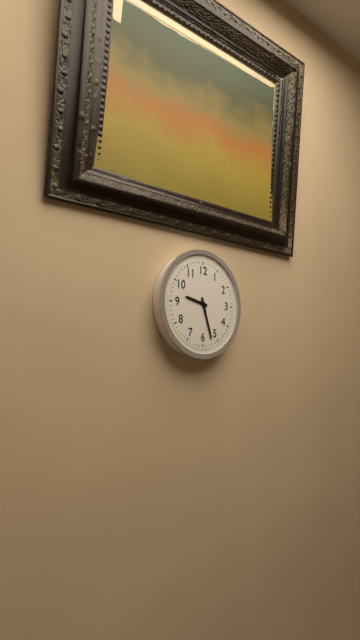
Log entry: 9,27
